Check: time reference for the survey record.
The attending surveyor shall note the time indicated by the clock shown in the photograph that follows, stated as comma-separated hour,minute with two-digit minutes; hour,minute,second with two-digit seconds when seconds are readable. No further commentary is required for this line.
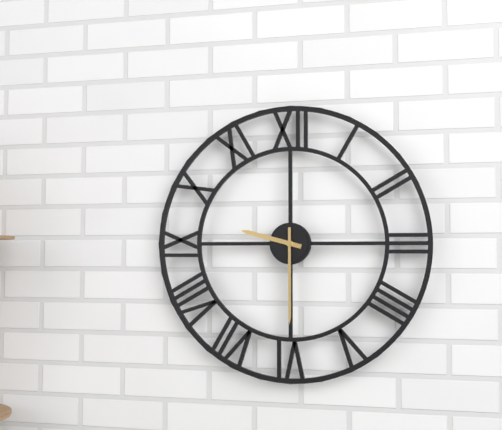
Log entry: 9,30
